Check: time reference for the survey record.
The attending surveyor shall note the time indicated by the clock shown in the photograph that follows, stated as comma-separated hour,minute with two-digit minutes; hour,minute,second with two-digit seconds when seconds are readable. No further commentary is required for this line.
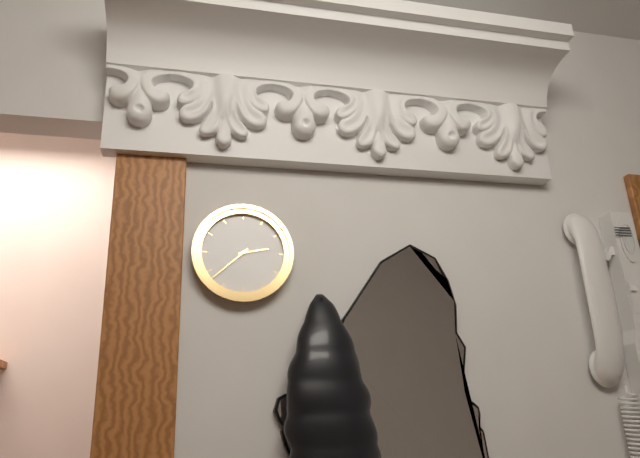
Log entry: 2,38
